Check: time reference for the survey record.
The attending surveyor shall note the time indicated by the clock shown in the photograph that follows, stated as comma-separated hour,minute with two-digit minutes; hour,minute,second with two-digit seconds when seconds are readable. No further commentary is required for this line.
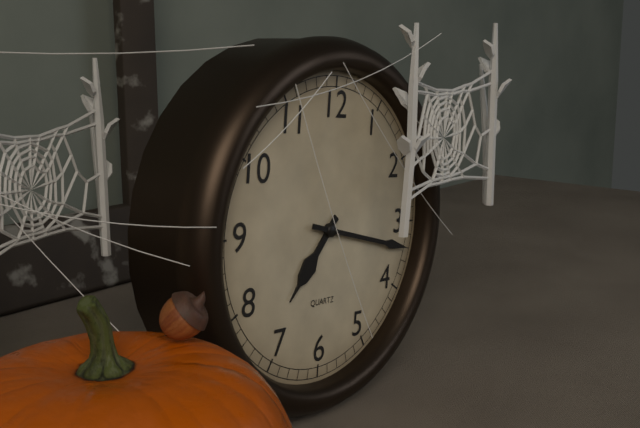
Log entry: 7,17
